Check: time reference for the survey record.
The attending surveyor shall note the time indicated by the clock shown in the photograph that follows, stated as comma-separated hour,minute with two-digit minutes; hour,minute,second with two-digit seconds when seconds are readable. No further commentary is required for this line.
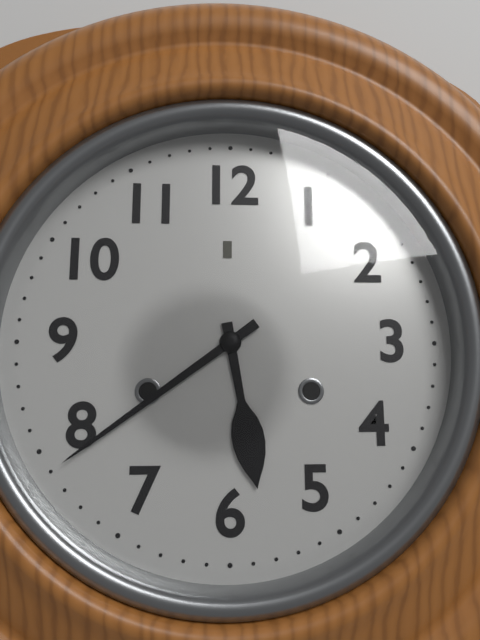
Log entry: 5,39
